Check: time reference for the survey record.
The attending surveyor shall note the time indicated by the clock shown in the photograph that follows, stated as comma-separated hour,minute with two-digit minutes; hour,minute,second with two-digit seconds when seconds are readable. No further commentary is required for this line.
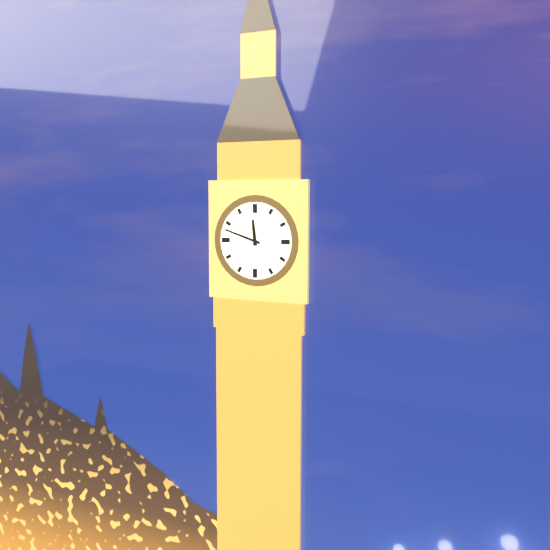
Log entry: 11,48
